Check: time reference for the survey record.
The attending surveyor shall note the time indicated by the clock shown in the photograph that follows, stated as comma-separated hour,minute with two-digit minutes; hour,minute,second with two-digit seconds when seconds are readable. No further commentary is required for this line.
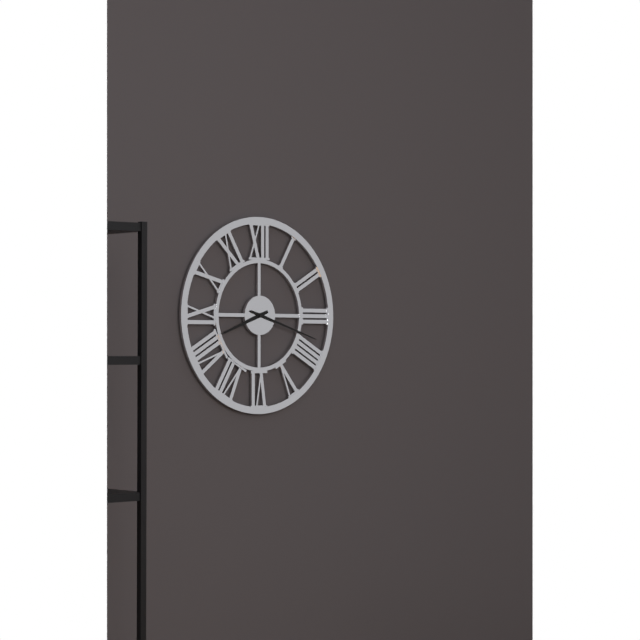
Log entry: 8,18
